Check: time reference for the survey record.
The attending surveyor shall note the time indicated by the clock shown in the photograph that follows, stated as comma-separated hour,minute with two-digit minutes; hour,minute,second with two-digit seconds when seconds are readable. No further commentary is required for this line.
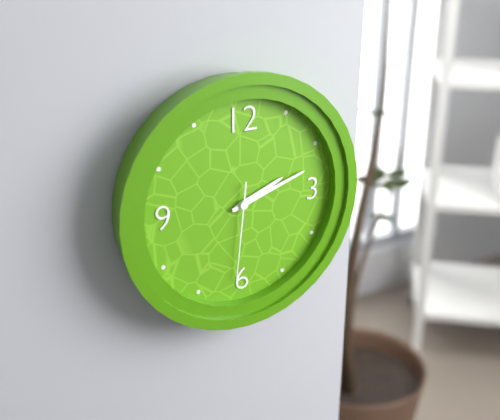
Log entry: 2,12,31
